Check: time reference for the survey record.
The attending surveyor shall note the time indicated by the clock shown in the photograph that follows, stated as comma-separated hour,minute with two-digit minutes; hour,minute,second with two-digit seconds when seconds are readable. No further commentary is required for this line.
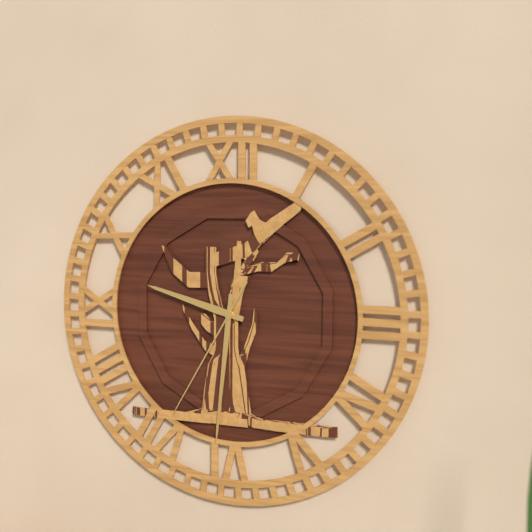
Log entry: 9,31,35
